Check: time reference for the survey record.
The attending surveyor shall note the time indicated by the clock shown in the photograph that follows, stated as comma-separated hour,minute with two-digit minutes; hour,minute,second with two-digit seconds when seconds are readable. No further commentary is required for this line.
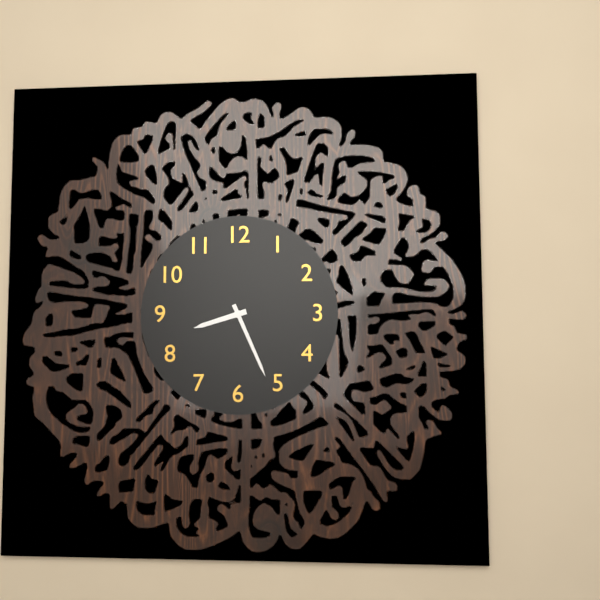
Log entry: 8,26
